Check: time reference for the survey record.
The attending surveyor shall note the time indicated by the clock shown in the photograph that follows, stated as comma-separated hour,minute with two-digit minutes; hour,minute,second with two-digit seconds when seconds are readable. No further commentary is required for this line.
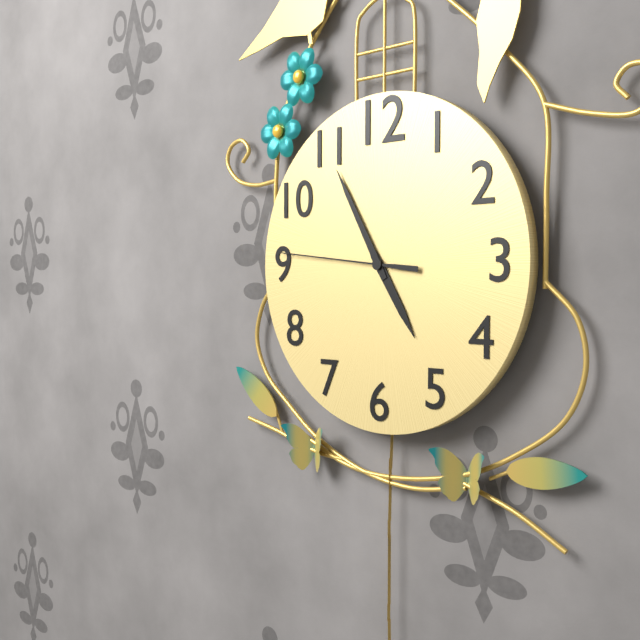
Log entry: 4,55,46
